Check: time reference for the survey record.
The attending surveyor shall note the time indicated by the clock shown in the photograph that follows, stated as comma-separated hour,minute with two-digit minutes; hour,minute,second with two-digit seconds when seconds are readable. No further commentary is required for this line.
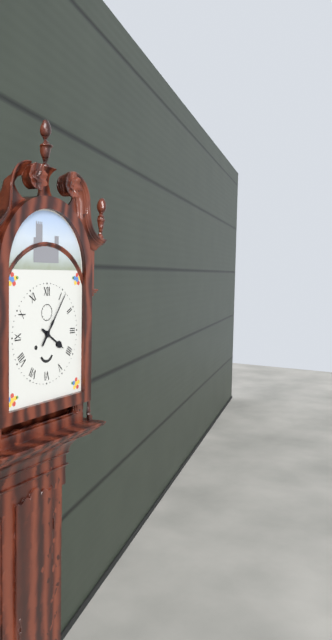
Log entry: 4,06
